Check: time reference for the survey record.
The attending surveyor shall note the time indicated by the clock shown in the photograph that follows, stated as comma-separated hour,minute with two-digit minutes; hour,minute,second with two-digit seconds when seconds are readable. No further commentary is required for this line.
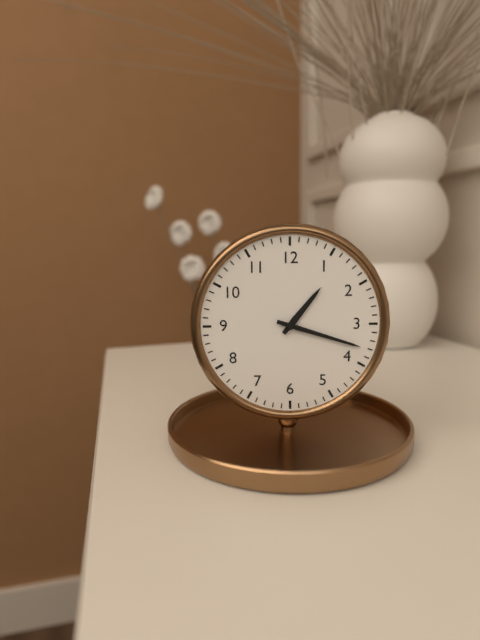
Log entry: 1,18
